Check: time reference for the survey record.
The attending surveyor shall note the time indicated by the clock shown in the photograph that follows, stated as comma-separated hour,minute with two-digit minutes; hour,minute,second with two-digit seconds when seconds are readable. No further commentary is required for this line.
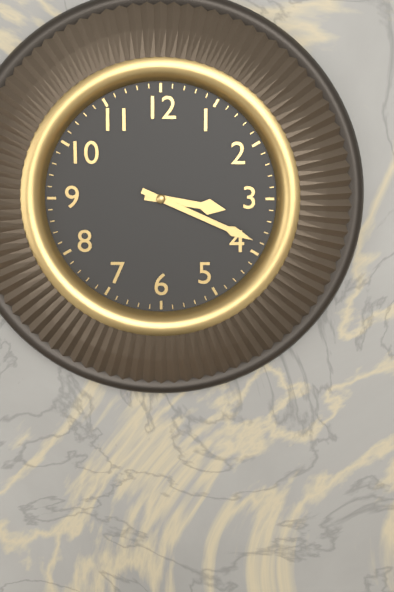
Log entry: 3,19
